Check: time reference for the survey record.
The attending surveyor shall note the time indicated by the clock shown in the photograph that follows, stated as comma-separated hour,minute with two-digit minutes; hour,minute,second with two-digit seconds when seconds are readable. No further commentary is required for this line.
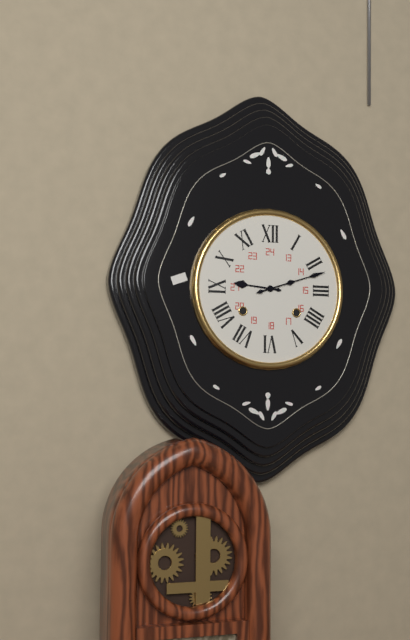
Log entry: 9,12
